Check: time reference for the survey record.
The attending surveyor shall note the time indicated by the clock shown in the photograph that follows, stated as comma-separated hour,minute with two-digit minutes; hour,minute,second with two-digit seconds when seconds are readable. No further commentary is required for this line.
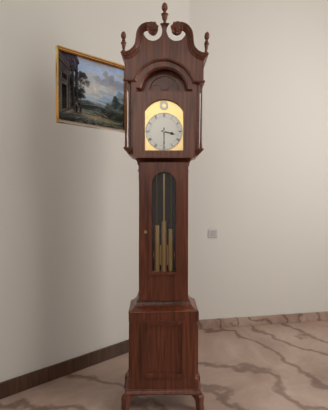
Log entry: 3,30
